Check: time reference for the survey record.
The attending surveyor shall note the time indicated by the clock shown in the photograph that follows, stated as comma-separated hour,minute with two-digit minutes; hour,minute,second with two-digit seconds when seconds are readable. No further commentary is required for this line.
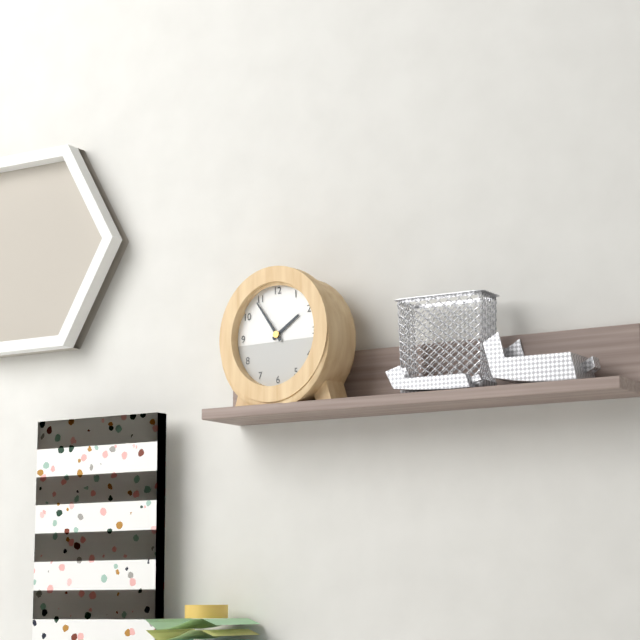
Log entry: 1,54
